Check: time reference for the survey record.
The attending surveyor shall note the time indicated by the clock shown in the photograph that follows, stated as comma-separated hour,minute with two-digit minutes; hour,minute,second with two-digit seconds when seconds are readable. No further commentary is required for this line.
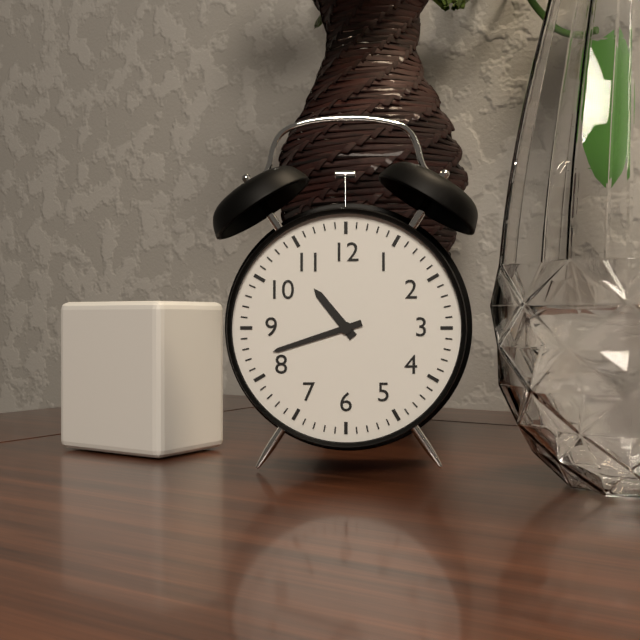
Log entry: 10,42
